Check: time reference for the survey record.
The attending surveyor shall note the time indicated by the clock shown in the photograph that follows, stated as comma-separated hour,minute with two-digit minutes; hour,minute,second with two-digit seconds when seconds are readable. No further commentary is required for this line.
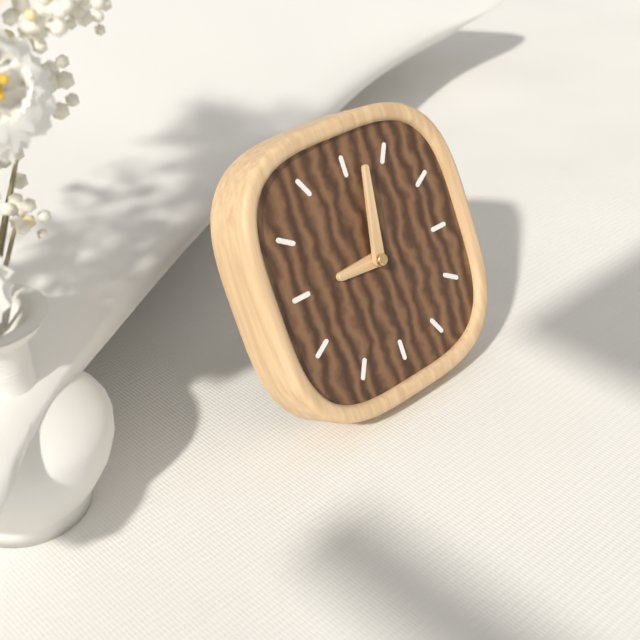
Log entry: 9,02
